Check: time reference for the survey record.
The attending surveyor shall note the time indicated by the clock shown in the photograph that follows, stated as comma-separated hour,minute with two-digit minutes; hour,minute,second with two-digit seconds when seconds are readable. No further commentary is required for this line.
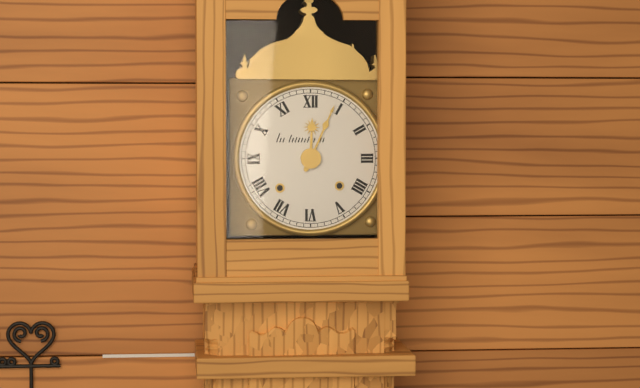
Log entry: 12,04
